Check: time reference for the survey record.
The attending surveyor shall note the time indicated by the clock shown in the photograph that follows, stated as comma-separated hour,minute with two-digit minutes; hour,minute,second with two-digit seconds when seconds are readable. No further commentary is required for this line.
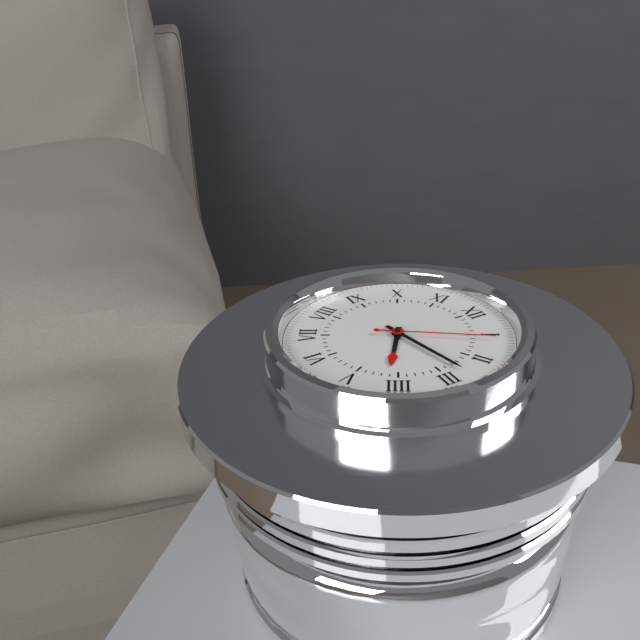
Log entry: 4,13,06
